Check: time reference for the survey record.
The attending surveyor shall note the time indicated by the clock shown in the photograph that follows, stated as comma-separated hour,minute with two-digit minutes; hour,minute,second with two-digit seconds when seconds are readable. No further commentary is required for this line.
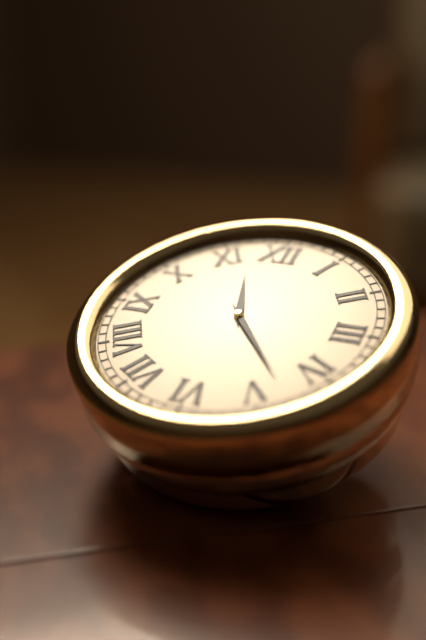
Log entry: 11,23
